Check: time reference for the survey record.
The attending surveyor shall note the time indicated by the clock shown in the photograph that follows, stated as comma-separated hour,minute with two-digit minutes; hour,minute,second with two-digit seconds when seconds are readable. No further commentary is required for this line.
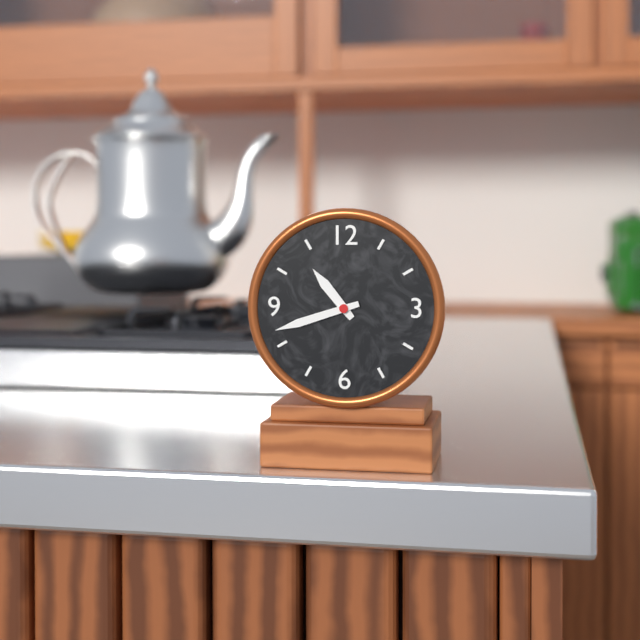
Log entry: 10,42
